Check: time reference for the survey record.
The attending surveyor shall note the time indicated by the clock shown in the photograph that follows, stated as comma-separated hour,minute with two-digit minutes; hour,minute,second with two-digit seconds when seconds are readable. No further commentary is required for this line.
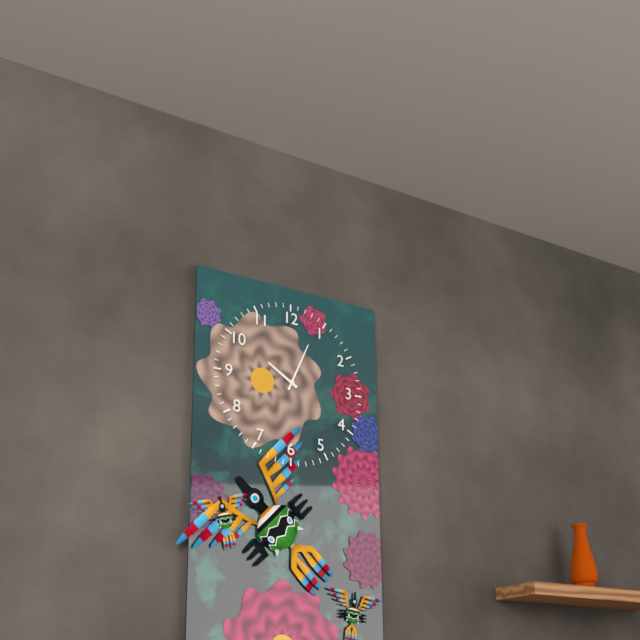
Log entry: 10,04
